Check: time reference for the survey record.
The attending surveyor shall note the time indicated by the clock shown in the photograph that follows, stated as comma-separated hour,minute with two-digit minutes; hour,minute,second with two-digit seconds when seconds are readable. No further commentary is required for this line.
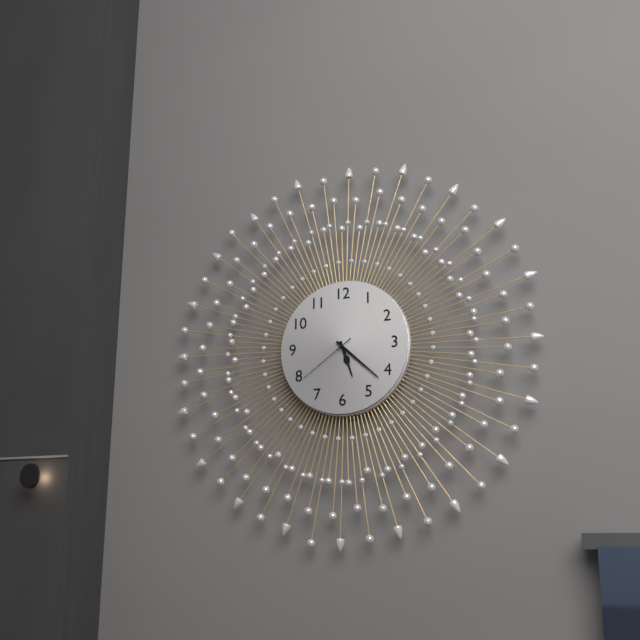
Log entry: 5,22,39
